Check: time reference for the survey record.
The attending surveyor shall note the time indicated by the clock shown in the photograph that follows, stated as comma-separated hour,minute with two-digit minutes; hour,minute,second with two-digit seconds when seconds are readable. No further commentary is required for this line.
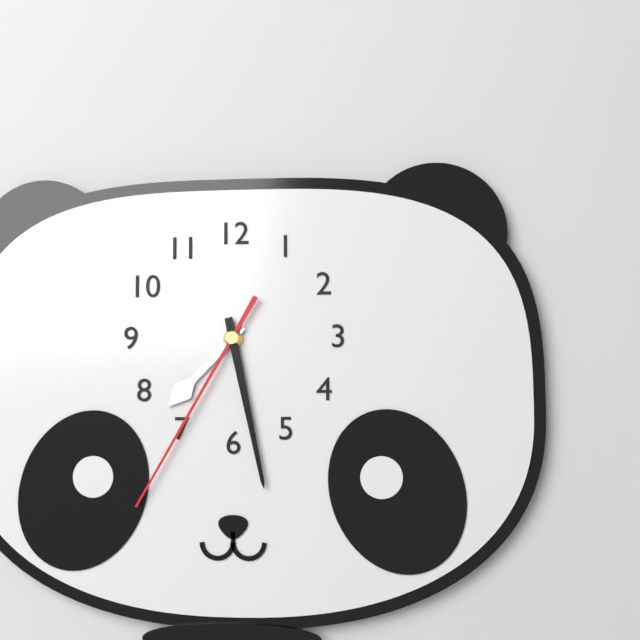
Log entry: 7,28,35
